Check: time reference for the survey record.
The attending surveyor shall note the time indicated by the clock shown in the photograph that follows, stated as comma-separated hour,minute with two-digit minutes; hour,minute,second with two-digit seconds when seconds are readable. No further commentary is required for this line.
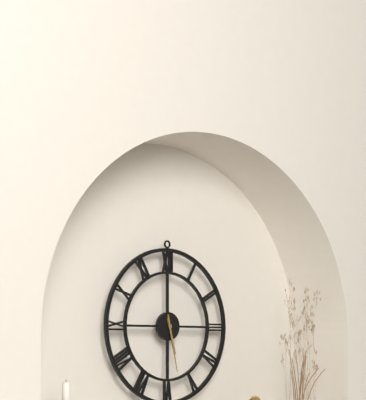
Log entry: 5,28
